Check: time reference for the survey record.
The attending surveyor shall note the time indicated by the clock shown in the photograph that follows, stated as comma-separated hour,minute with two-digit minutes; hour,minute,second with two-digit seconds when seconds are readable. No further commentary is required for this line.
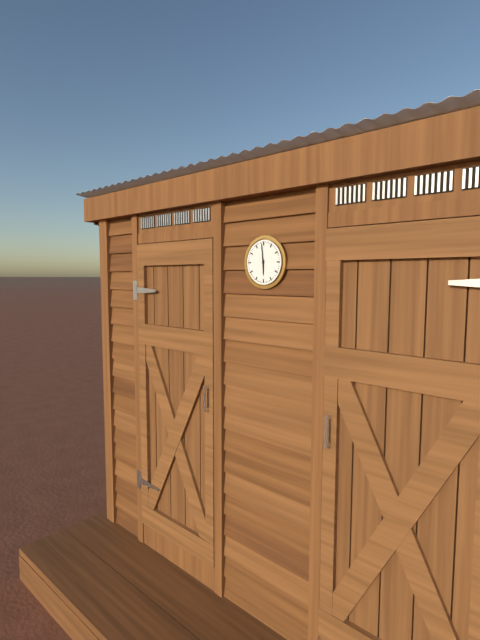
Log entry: 5,59
